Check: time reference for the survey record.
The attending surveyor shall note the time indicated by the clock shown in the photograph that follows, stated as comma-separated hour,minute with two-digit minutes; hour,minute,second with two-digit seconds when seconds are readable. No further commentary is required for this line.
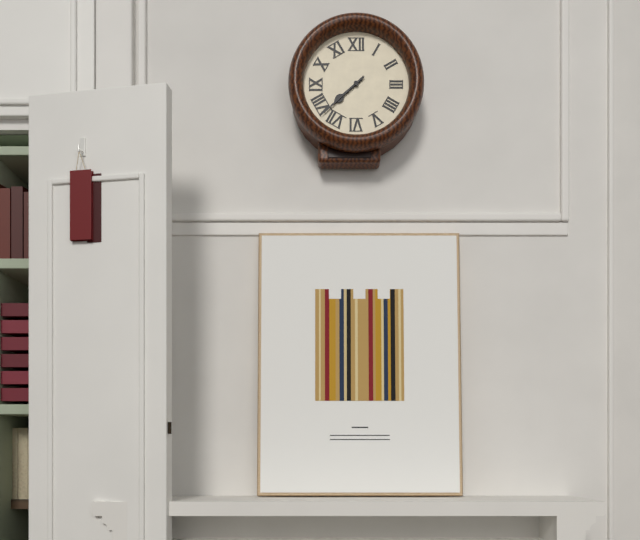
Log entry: 7,38
